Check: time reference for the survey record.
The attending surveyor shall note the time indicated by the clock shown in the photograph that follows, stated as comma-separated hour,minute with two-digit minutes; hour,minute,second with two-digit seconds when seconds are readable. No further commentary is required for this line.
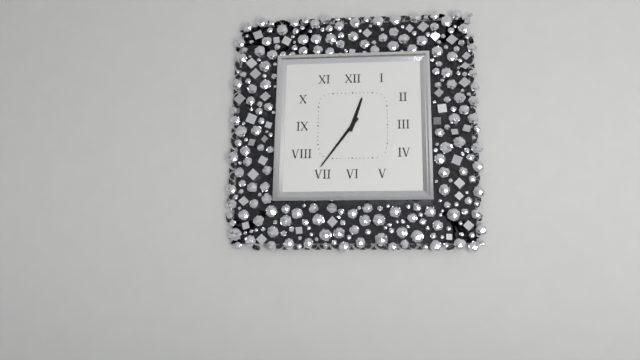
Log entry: 12,36
